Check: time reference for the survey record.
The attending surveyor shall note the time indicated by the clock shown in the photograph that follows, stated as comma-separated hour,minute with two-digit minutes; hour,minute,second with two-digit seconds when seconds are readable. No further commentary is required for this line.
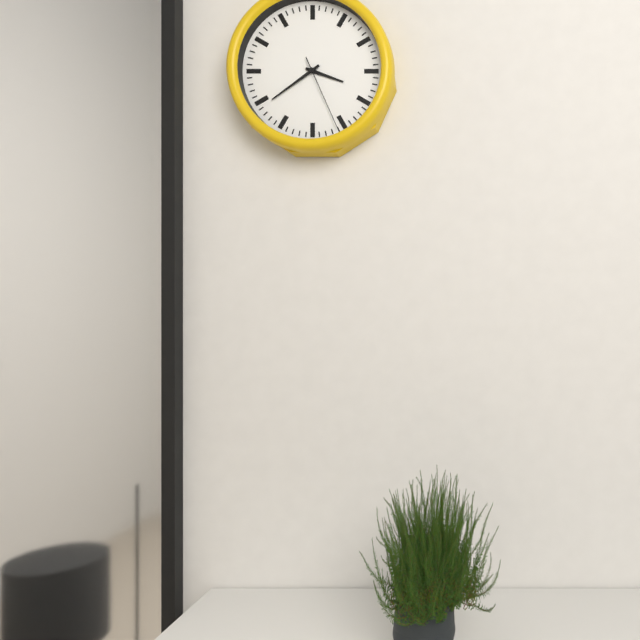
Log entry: 3,39,26
